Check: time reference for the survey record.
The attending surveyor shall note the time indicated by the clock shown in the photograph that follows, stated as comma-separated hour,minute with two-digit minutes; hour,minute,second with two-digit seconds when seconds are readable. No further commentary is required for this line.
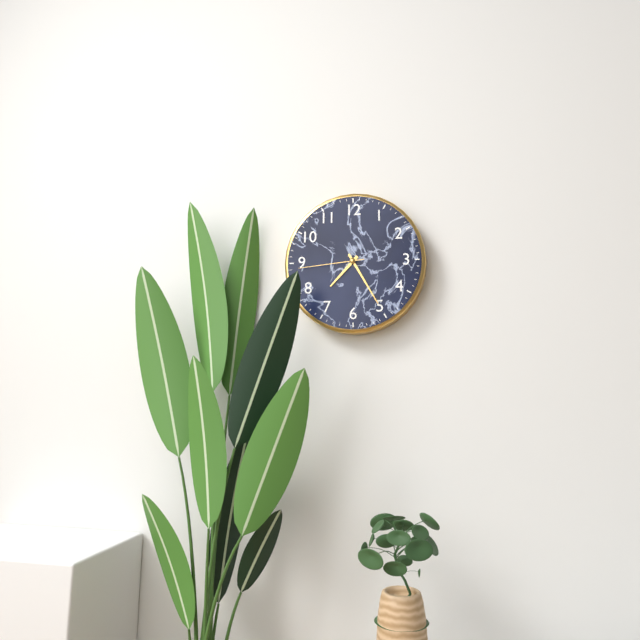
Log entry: 7,25,44
